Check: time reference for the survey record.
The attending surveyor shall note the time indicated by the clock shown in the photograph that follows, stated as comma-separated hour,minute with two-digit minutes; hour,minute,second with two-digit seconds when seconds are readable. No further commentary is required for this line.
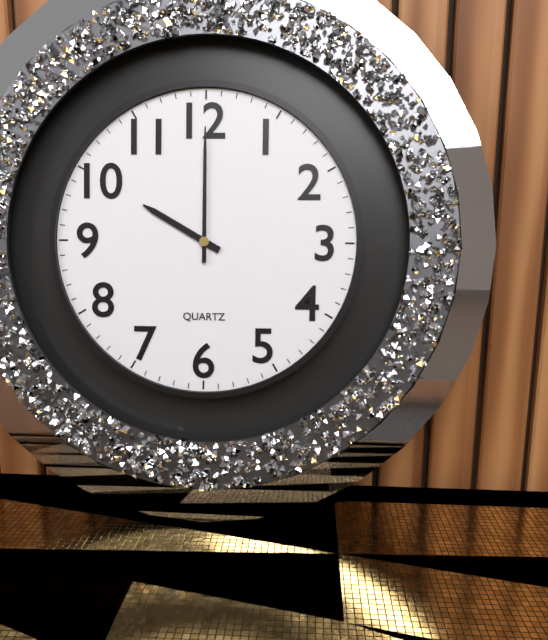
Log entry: 10,00
